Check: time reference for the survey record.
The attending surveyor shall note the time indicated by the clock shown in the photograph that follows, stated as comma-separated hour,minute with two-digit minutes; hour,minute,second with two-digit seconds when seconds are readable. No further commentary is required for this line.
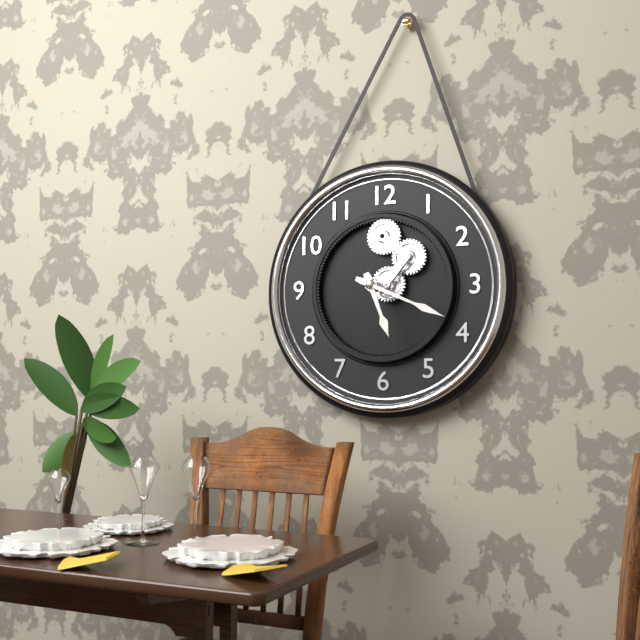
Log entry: 5,19
